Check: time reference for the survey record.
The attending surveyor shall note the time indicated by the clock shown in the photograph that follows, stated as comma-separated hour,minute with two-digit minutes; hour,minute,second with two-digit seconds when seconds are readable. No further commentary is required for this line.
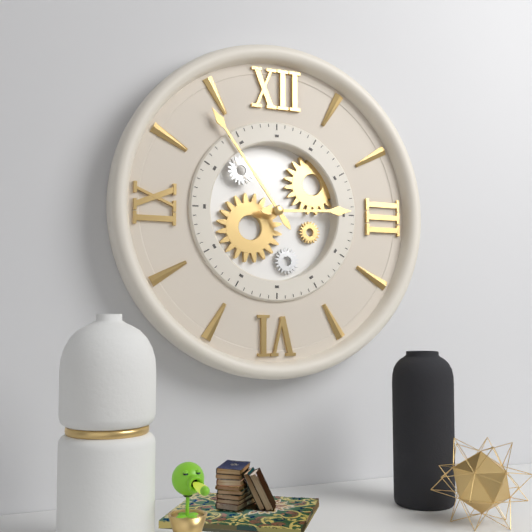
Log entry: 2,54
